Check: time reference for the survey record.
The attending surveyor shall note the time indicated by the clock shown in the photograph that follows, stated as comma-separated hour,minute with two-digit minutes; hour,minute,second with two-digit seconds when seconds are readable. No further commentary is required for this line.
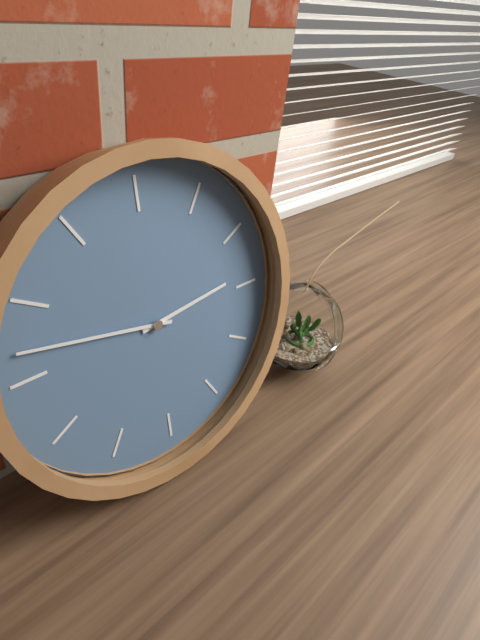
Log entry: 2,47
